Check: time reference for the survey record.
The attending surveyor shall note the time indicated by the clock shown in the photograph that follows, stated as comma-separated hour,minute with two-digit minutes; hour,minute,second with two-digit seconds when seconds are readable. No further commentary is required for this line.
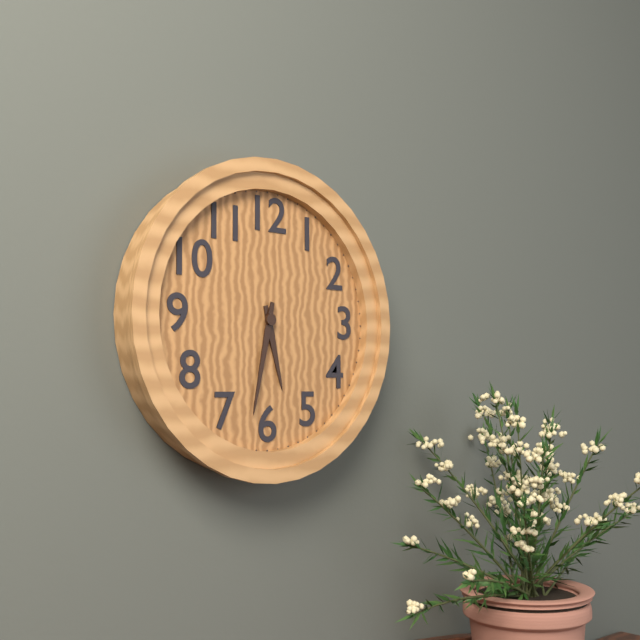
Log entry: 5,32
